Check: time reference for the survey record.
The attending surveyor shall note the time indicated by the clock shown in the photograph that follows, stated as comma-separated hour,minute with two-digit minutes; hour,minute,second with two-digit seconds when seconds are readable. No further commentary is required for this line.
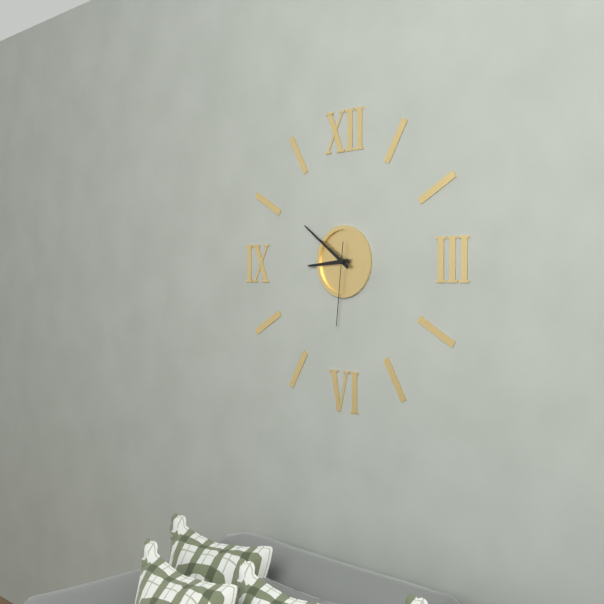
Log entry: 8,51,31
